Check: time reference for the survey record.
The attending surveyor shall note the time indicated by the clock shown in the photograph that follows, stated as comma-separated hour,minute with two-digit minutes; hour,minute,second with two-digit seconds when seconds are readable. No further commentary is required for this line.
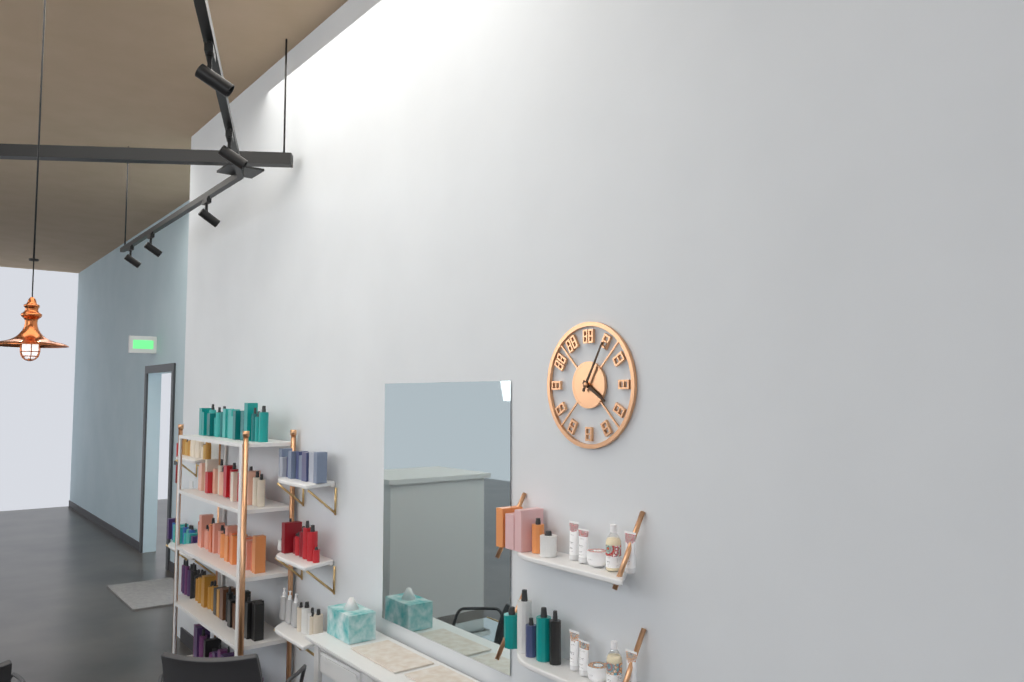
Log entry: 4,05
